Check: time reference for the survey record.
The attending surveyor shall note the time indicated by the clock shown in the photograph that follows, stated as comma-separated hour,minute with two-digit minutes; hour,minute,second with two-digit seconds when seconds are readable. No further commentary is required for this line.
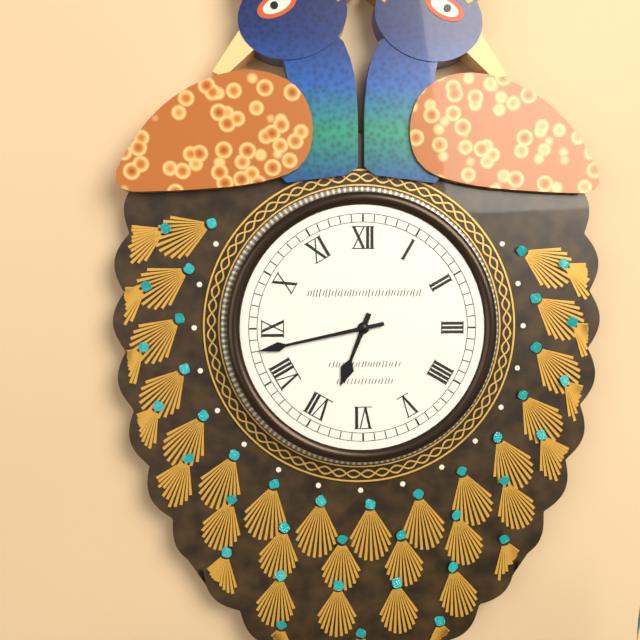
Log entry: 6,43
